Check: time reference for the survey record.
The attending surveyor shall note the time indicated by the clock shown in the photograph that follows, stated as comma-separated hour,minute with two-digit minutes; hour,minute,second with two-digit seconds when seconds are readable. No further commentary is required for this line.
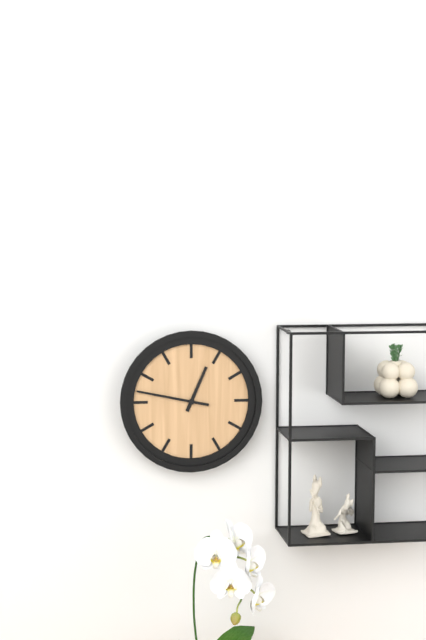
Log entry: 12,47
